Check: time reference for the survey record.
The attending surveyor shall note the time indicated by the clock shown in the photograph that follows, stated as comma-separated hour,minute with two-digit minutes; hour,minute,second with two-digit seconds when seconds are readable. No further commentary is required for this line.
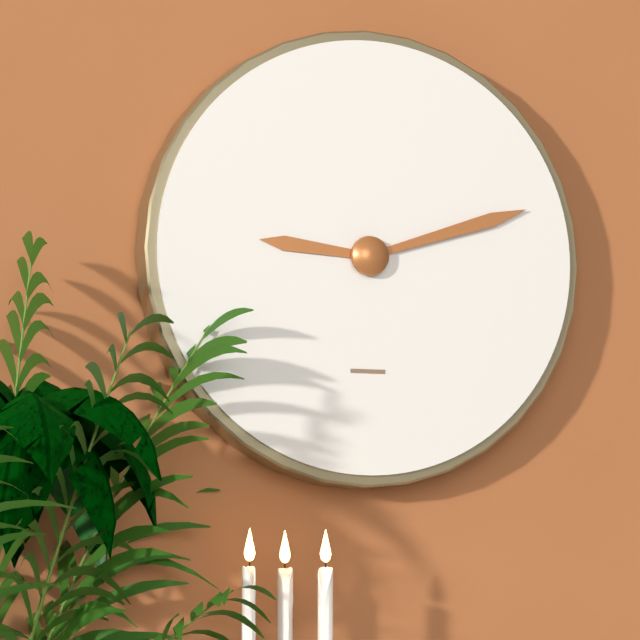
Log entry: 9,12
